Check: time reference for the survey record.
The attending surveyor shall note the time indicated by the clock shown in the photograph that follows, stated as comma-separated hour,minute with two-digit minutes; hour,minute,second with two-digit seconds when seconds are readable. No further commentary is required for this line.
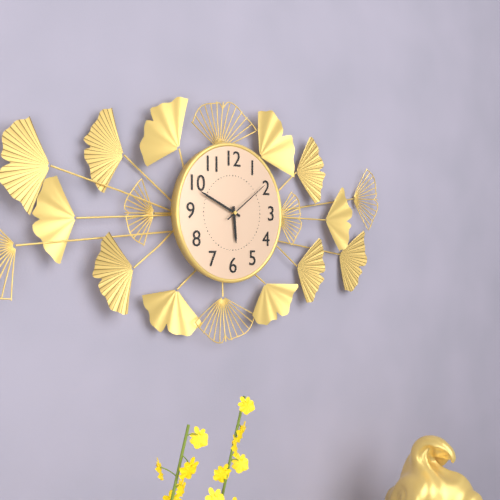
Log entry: 5,49,09
